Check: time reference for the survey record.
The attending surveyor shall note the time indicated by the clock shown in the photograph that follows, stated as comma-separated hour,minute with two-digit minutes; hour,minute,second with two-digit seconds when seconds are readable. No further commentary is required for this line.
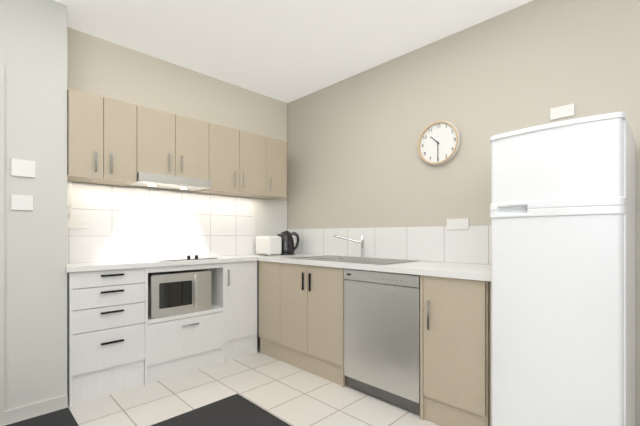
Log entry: 10,30
